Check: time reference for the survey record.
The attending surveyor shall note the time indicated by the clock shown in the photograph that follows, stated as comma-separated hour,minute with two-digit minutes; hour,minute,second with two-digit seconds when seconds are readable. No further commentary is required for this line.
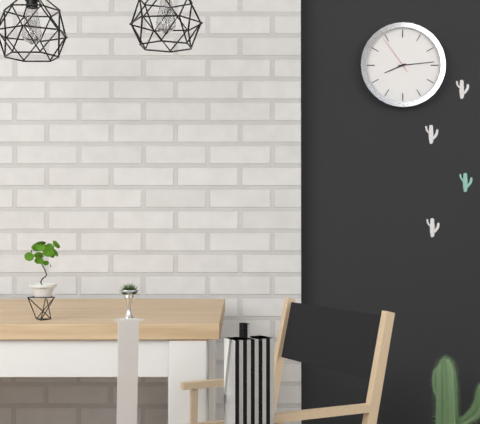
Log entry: 8,14
